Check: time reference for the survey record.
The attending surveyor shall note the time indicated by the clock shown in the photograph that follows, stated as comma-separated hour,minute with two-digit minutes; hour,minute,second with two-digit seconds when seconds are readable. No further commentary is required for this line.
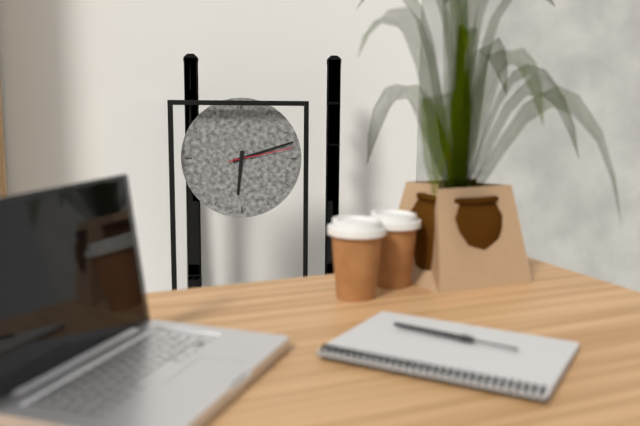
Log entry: 6,12,13
